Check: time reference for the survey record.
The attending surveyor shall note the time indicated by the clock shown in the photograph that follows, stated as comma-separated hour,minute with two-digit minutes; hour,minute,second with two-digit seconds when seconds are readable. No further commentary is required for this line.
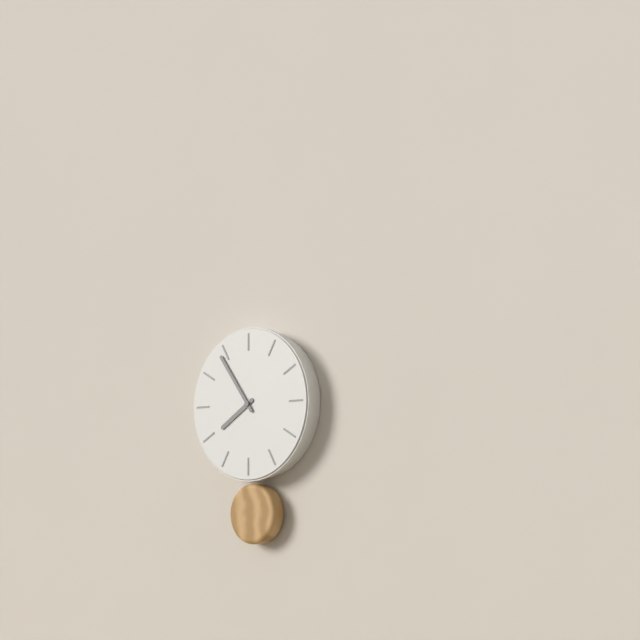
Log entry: 7,54
